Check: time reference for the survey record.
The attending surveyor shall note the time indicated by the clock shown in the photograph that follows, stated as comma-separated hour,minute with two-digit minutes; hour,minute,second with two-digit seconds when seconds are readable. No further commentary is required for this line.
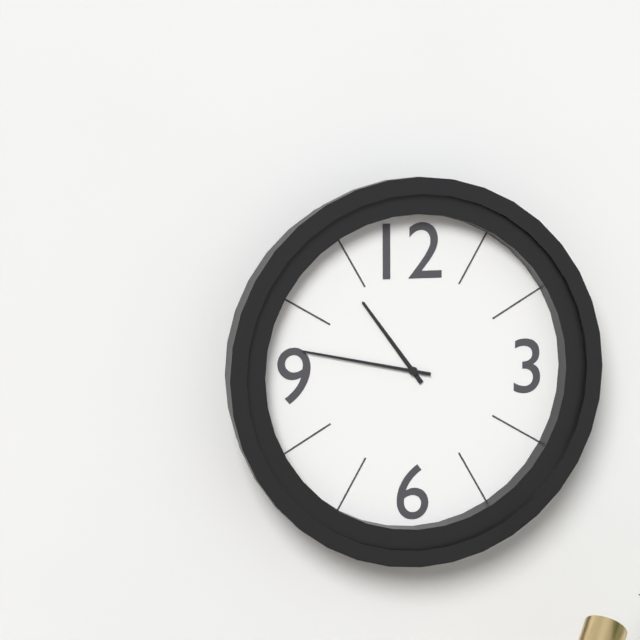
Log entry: 10,47
